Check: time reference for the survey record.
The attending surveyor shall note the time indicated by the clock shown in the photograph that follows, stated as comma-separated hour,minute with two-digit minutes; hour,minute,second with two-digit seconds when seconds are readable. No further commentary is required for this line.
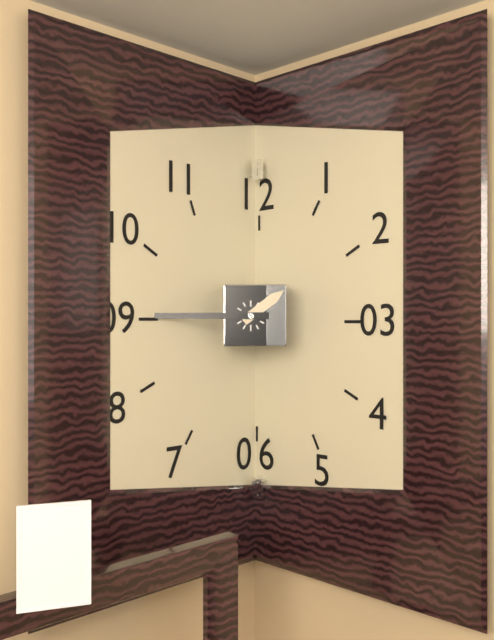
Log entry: 1,45
